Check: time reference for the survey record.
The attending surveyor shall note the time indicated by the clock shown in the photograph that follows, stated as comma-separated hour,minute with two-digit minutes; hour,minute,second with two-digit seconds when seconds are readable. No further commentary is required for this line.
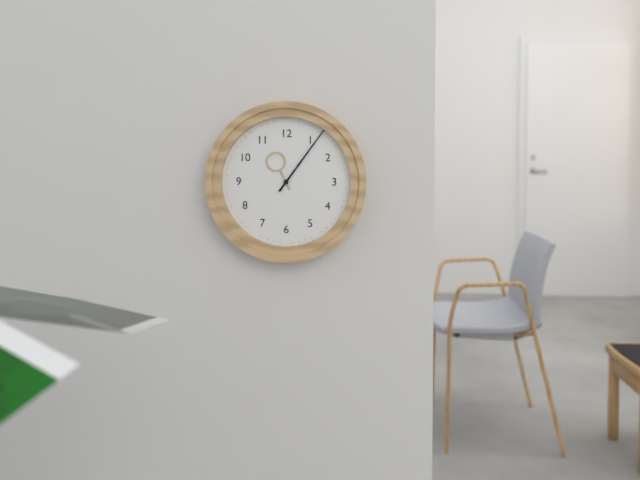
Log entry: 11,06
